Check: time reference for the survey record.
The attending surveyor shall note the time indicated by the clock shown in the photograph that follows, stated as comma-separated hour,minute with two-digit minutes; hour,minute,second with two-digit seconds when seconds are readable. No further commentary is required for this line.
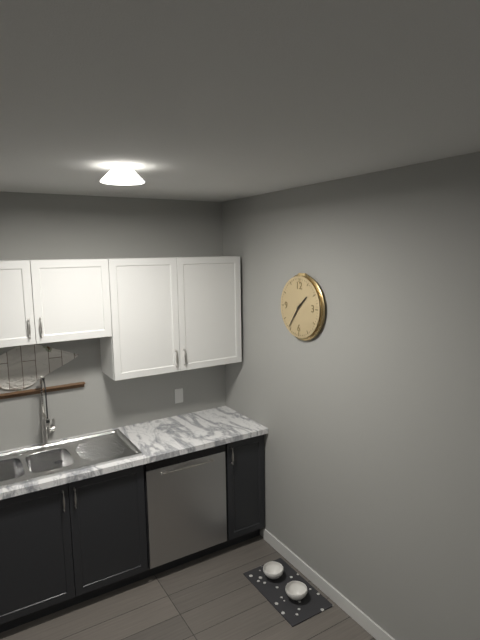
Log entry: 1,36
